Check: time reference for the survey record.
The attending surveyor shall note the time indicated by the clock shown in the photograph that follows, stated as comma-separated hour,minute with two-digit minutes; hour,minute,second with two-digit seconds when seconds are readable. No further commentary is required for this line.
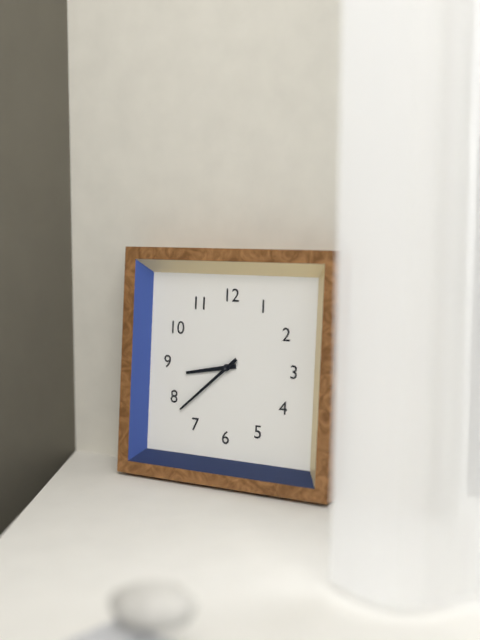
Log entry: 8,38
